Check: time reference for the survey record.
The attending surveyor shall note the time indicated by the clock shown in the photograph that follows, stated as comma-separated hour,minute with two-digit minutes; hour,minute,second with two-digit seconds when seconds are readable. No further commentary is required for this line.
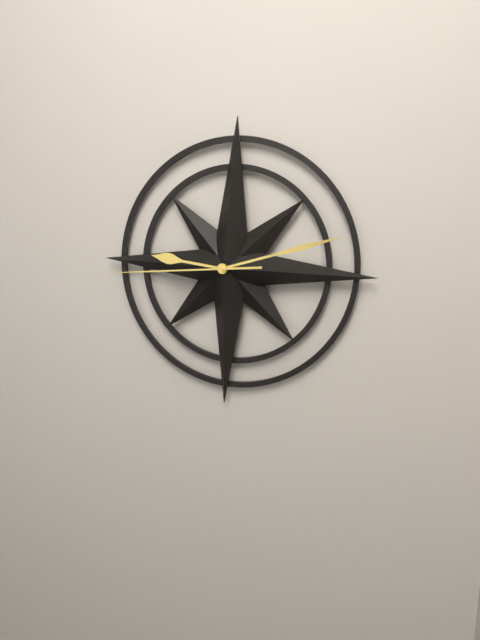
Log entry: 9,12,44
